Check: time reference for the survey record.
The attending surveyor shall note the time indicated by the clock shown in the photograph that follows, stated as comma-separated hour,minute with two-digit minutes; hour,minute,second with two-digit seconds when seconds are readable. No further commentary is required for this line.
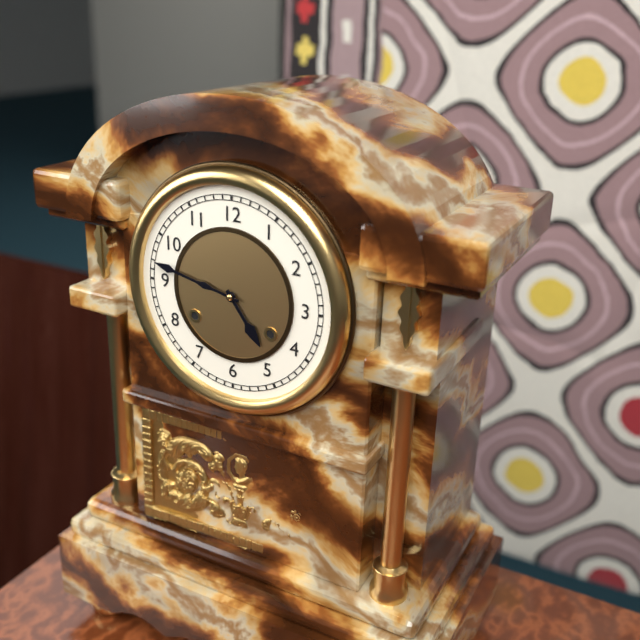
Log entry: 4,47
